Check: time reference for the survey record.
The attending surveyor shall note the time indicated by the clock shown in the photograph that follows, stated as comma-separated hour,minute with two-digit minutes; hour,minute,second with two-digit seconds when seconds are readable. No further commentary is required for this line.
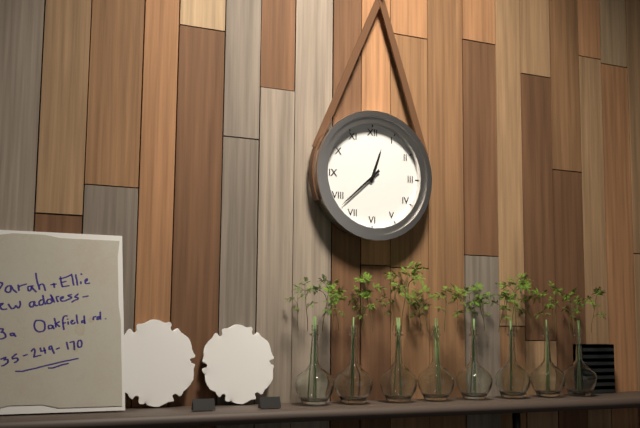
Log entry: 12,38
